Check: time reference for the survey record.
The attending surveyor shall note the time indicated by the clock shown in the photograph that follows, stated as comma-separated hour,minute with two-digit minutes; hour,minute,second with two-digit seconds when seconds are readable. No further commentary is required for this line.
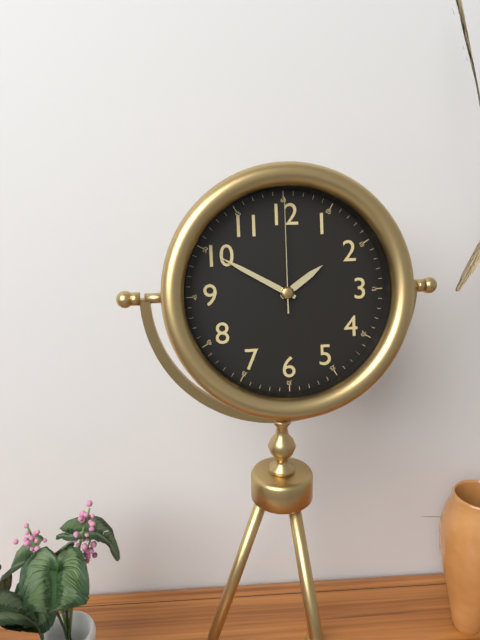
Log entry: 1,50,00
